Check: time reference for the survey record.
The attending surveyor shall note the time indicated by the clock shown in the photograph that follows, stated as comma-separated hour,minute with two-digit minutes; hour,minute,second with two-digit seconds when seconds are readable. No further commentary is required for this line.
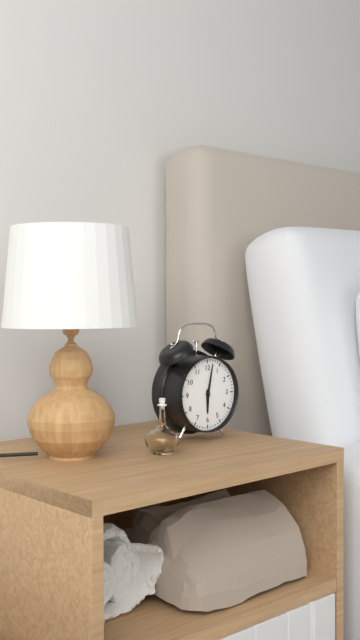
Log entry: 6,02
